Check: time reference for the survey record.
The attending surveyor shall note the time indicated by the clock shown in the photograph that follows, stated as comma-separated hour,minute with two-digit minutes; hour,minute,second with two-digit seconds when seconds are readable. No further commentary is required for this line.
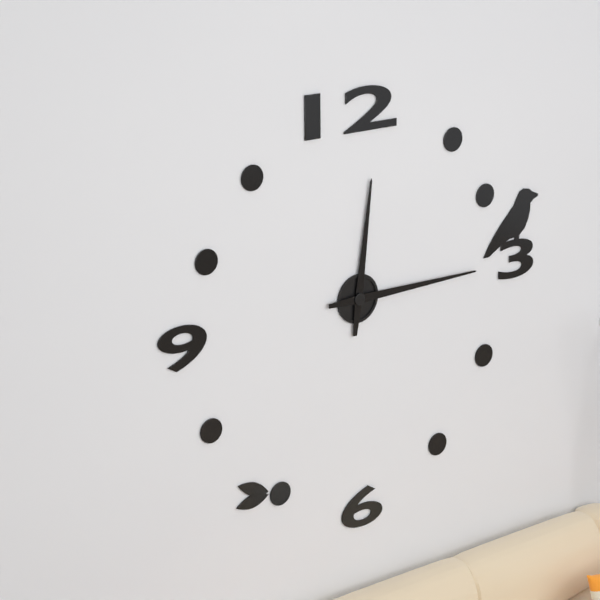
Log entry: 12,15
